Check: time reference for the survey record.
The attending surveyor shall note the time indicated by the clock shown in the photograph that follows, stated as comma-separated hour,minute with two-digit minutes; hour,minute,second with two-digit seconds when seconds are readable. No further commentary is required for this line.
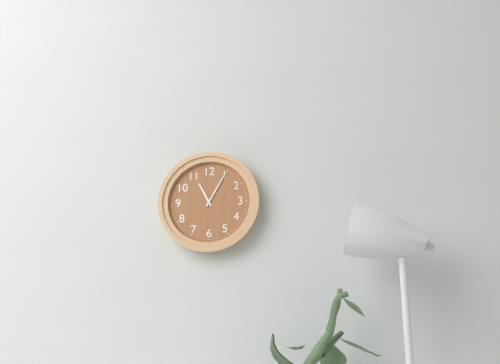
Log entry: 11,05
